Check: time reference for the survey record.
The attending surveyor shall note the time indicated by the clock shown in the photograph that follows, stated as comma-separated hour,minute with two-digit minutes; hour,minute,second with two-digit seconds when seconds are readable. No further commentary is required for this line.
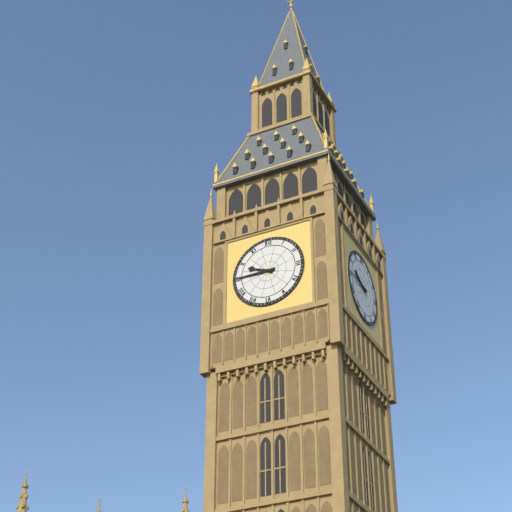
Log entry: 9,45
